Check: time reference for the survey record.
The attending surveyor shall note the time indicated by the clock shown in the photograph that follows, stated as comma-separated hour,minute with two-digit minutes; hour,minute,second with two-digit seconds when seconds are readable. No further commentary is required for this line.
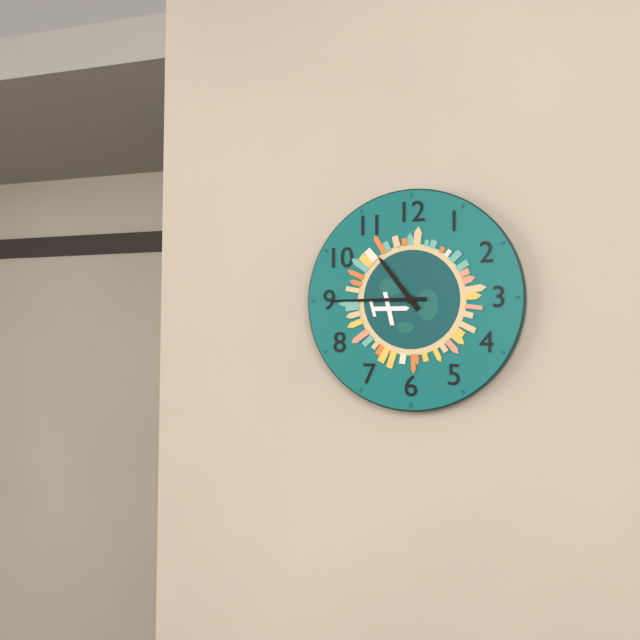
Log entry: 10,45
